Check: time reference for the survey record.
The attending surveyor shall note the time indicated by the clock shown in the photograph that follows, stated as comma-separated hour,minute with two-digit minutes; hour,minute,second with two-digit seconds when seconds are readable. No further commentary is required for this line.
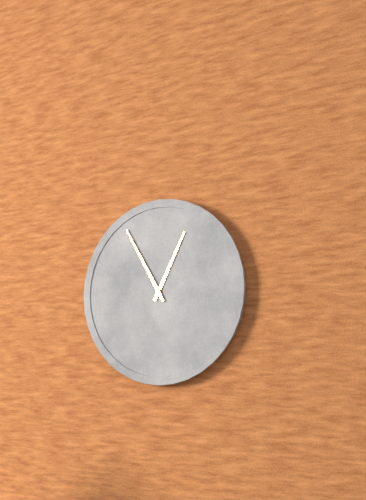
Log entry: 12,55
